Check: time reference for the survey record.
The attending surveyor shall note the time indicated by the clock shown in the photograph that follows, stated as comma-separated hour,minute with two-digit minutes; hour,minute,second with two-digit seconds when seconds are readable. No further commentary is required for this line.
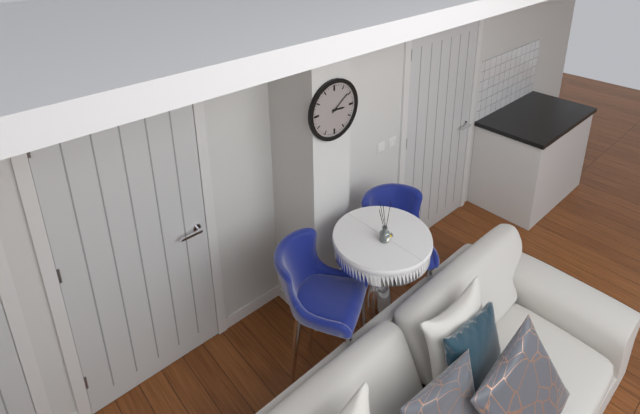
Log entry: 3,09
